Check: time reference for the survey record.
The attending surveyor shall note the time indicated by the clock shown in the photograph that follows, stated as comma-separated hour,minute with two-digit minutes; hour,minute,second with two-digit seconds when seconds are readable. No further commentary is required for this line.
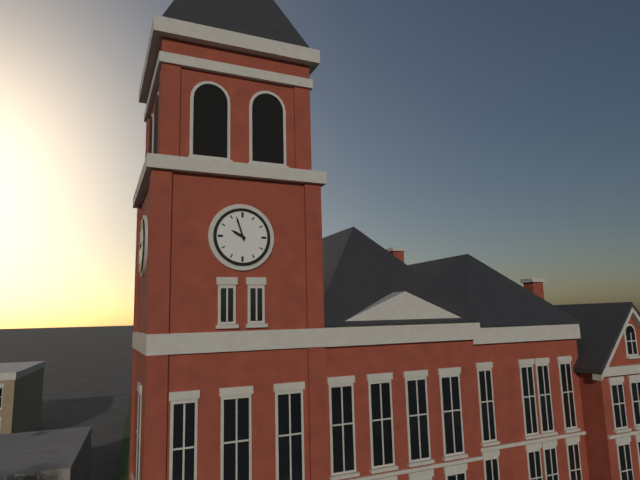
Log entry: 9,57
